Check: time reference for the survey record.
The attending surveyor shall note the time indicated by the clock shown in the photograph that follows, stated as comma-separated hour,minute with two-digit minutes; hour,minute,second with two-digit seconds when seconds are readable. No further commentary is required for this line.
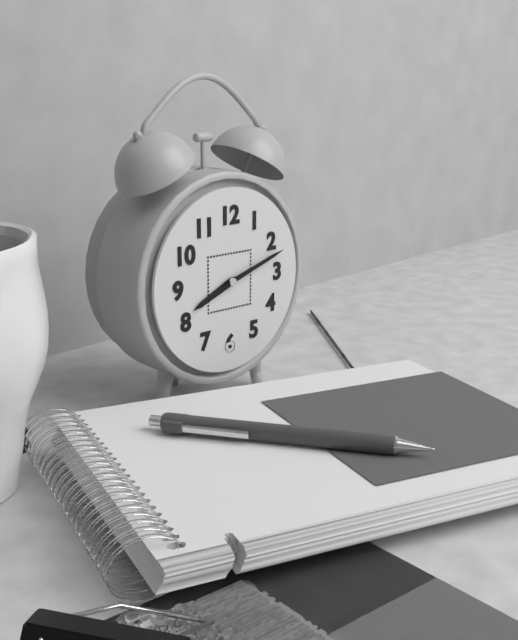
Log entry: 8,12
